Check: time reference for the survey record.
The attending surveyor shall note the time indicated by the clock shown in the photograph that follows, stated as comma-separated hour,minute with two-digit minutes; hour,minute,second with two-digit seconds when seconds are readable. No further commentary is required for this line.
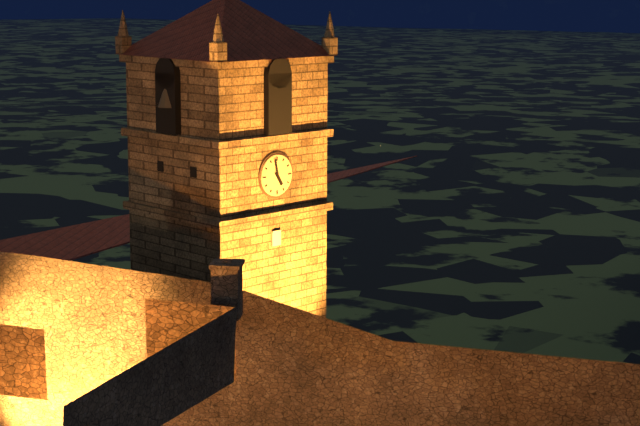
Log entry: 4,58
